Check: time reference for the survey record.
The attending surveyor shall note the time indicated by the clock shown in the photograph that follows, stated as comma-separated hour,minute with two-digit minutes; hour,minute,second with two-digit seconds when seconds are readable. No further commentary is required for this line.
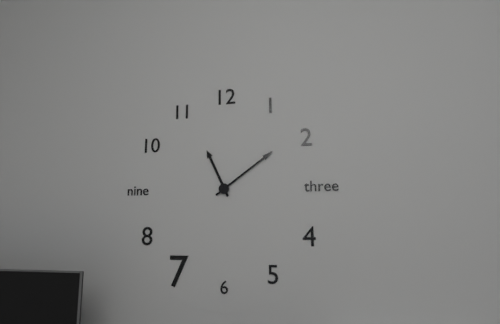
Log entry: 11,09
